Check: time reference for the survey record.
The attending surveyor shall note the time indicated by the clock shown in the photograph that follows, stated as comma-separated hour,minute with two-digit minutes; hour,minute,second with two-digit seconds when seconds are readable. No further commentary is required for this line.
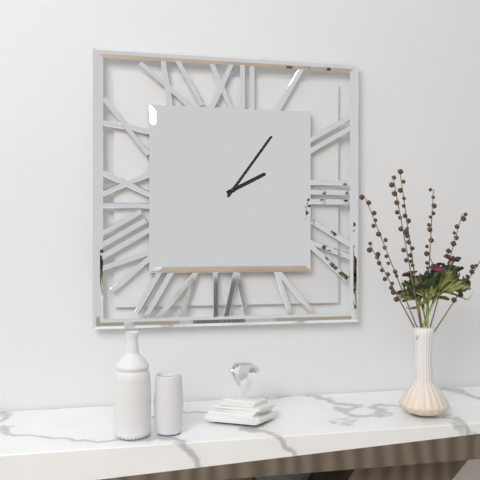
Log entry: 2,06
